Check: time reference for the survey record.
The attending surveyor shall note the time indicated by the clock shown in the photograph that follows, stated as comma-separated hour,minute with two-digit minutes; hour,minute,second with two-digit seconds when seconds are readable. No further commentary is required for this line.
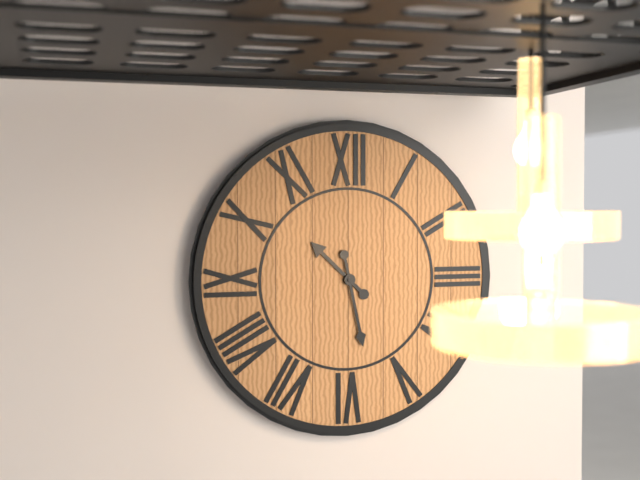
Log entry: 10,28
